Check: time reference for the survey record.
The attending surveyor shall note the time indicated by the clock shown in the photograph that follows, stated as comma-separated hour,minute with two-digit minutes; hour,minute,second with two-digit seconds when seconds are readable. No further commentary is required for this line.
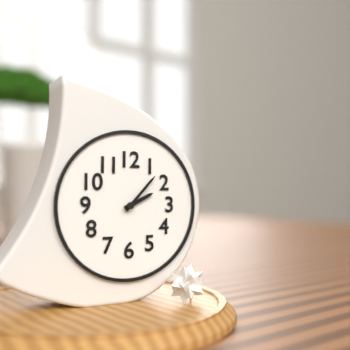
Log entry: 2,07
